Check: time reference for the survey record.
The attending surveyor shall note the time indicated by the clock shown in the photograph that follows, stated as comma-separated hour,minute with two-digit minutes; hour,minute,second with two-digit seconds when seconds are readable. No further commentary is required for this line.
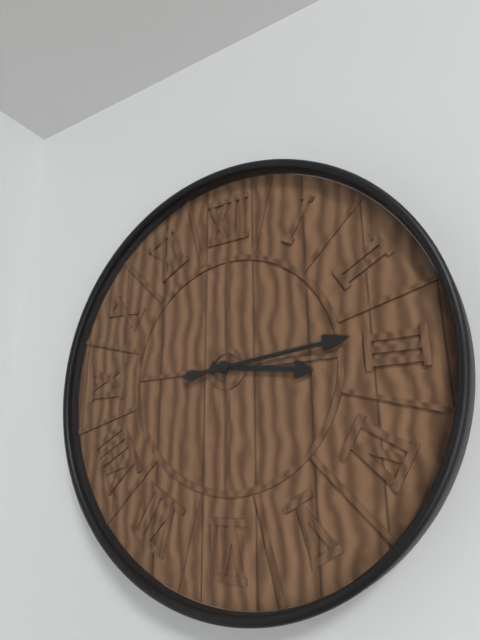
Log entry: 3,14
